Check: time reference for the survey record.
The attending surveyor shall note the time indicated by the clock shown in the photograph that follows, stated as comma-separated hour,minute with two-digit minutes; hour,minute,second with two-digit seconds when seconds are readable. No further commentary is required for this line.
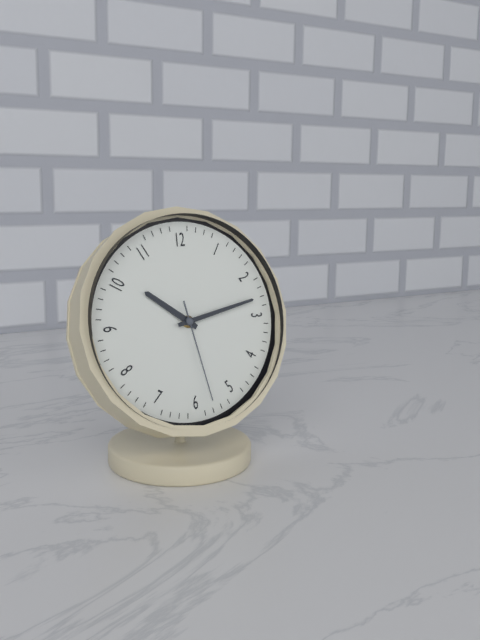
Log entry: 10,13,28
